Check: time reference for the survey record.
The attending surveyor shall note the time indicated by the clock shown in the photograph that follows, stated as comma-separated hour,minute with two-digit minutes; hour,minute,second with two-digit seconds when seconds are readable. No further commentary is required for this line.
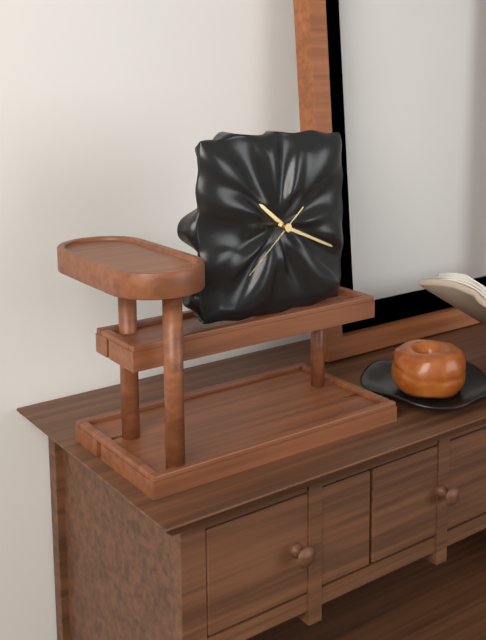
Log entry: 10,19,38
